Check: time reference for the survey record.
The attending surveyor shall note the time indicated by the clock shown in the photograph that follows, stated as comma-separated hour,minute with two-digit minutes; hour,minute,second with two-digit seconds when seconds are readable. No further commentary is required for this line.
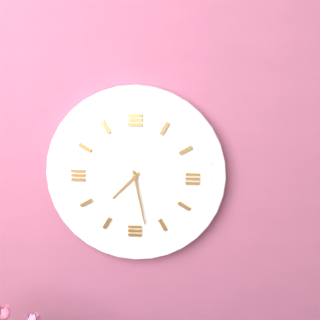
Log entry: 7,28
